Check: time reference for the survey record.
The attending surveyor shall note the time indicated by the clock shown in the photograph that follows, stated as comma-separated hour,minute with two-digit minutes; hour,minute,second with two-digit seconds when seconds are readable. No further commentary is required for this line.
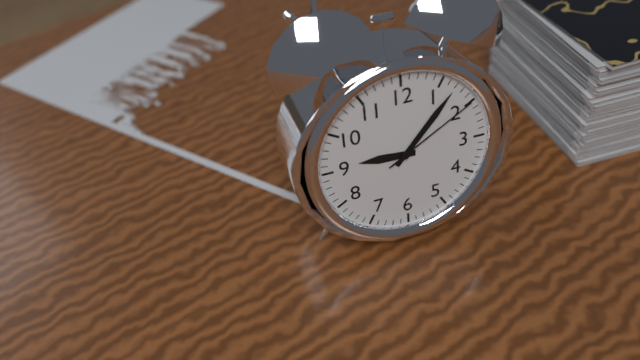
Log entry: 9,07,10
